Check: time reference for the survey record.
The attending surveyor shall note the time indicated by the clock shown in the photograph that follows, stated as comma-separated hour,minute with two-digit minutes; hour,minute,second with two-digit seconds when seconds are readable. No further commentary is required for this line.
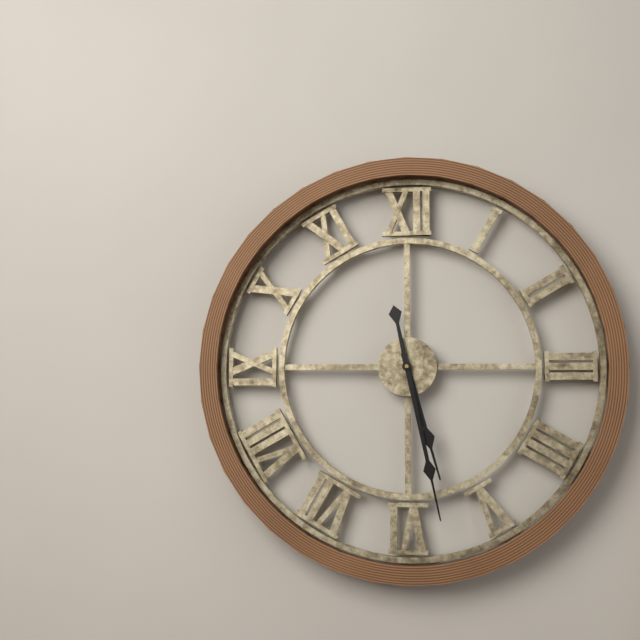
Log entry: 5,28
